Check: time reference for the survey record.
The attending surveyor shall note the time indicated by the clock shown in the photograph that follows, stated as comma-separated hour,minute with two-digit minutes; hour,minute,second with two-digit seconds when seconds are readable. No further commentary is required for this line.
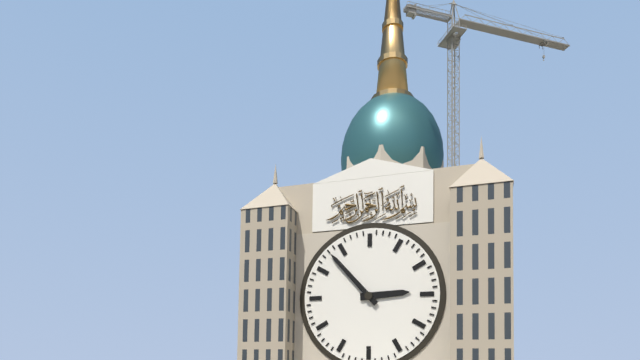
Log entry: 2,53
